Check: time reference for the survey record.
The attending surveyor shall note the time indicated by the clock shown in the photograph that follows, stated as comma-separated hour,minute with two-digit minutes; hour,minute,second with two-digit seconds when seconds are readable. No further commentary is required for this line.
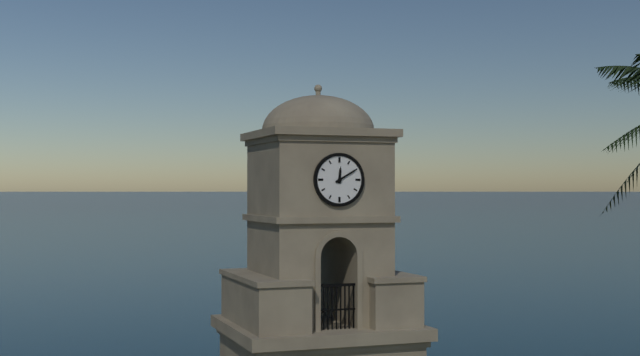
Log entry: 12,10
